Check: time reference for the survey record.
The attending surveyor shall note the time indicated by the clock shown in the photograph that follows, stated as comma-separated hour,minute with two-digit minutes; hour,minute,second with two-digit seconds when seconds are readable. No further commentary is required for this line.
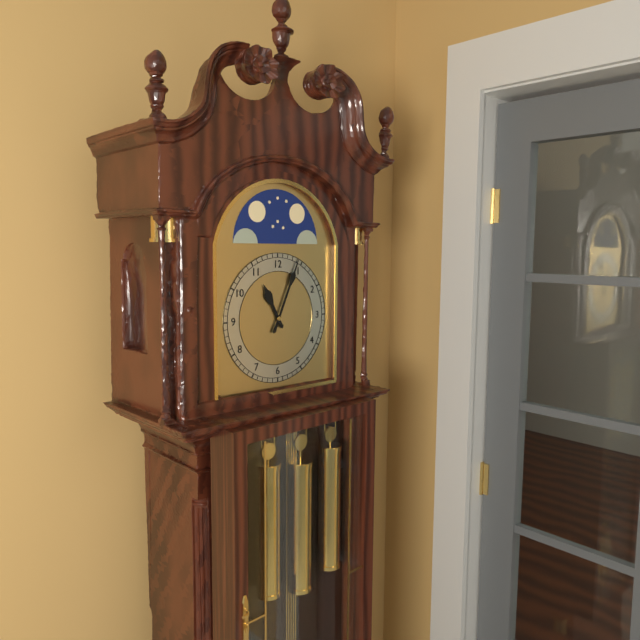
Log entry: 11,04
